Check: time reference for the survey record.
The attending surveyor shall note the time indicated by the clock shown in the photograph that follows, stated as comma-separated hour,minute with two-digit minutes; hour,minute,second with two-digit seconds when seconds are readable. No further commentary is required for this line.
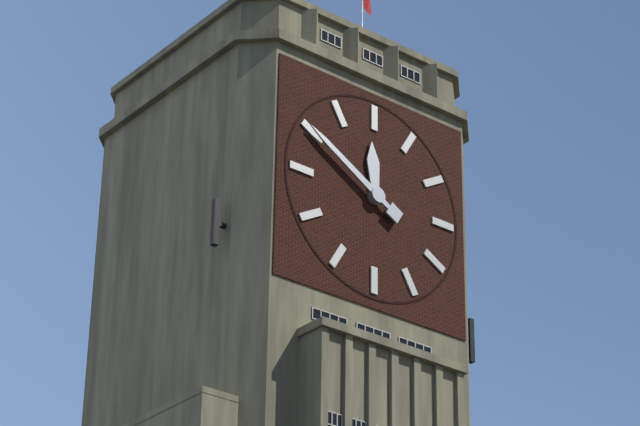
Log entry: 11,50
